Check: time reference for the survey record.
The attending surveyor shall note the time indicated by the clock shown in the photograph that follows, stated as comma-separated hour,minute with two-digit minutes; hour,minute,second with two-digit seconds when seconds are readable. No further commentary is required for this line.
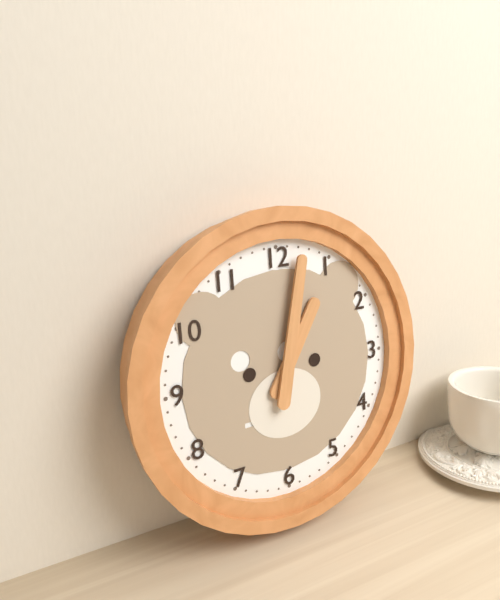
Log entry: 1,02
